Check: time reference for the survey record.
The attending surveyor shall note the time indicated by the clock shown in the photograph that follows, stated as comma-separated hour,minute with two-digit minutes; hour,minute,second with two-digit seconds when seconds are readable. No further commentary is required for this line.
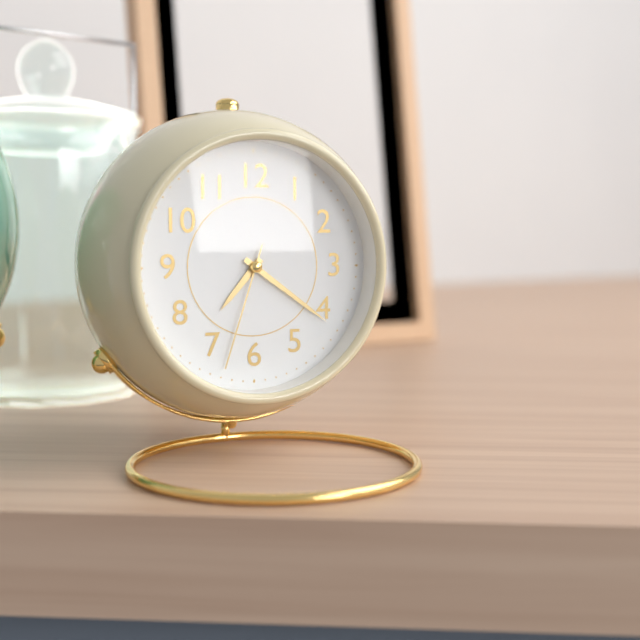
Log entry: 7,21,33
